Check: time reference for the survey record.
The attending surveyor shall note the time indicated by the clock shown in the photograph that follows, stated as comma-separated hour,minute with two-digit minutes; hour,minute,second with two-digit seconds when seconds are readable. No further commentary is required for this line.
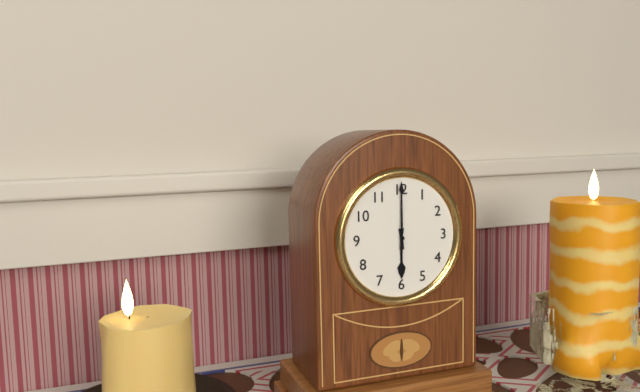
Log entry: 6,00
